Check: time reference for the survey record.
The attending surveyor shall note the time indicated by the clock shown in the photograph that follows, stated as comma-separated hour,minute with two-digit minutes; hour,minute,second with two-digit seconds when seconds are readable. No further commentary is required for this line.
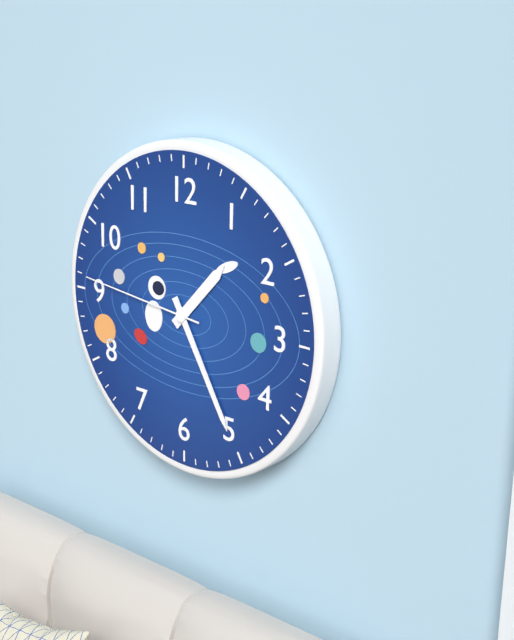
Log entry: 1,25,46
